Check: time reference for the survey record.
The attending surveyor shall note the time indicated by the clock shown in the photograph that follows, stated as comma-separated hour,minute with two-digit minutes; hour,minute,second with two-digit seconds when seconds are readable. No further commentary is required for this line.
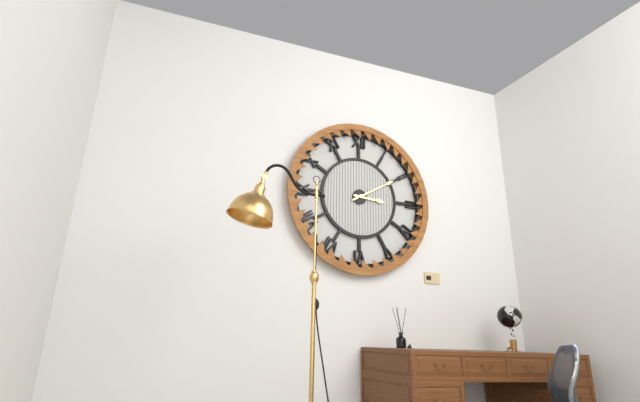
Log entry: 3,10
